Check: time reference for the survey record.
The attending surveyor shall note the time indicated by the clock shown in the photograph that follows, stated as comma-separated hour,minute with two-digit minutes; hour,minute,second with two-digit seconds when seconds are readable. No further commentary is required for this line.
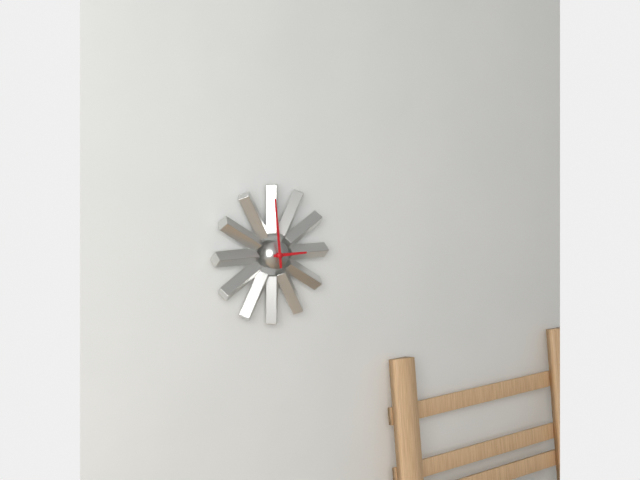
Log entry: 2,59
